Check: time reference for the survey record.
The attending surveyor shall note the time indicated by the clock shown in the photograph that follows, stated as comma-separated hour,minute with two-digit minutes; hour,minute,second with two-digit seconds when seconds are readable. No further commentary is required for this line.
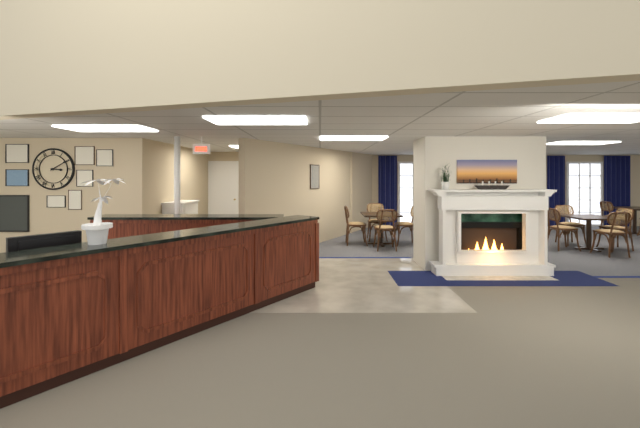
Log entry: 3,10
